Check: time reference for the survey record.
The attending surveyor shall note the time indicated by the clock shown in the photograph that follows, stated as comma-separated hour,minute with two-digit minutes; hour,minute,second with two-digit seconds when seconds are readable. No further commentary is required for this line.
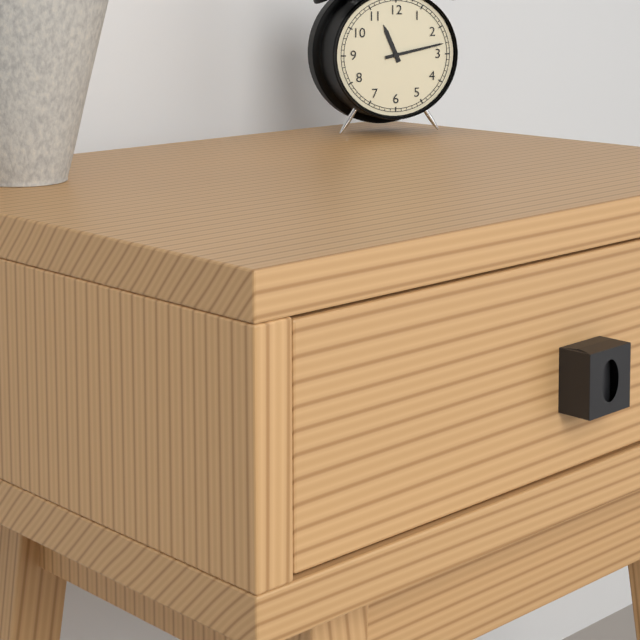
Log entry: 11,13
